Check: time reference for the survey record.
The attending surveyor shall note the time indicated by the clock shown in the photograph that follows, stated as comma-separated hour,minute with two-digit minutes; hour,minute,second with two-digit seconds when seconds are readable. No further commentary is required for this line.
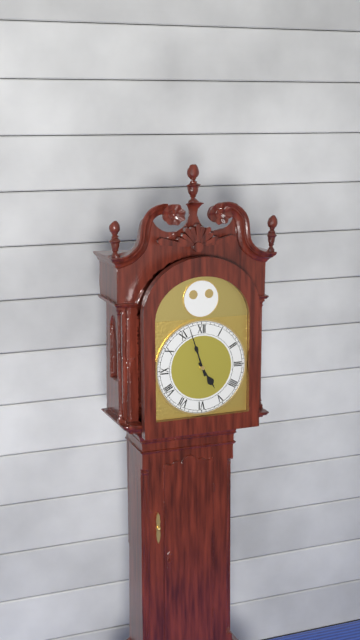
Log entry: 4,57
